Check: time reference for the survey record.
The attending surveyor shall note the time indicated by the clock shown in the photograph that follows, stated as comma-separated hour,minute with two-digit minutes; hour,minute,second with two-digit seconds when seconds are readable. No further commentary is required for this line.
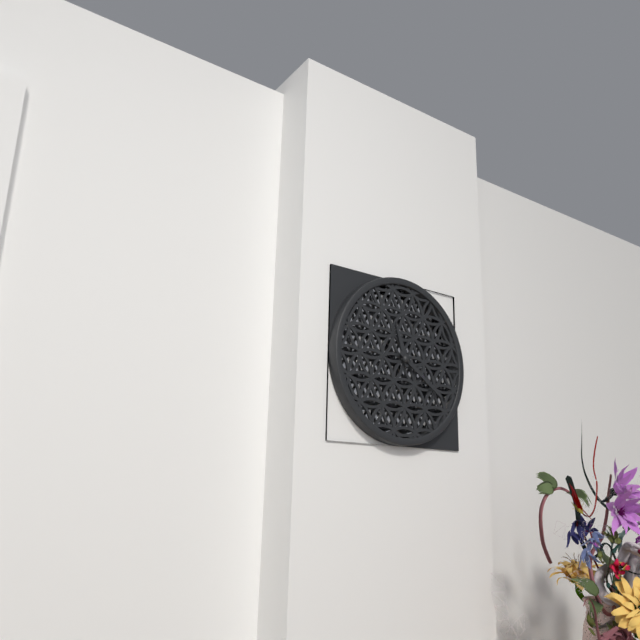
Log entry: 11,21
